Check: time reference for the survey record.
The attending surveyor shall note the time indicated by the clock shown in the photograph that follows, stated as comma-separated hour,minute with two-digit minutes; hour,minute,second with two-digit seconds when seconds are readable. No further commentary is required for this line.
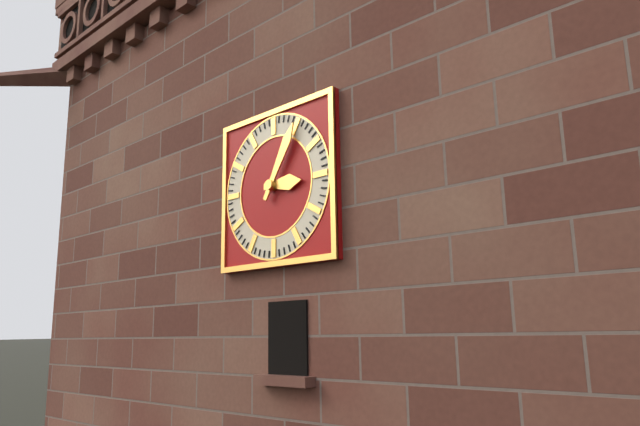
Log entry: 3,05
